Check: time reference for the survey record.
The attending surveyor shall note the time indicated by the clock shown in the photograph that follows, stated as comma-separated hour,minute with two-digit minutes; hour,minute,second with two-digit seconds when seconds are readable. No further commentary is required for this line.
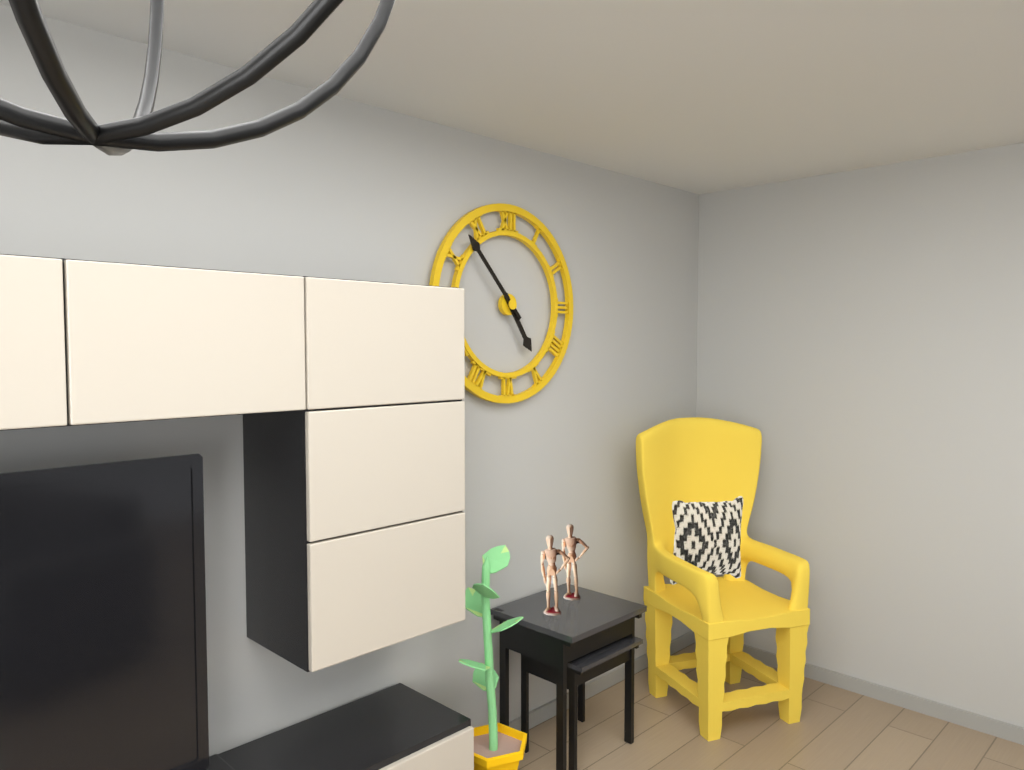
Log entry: 4,53
